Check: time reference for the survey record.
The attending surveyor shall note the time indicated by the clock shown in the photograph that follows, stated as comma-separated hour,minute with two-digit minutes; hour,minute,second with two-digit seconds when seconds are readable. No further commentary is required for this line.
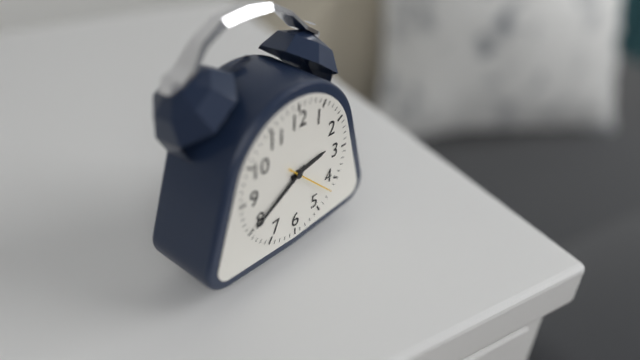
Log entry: 2,40,22
